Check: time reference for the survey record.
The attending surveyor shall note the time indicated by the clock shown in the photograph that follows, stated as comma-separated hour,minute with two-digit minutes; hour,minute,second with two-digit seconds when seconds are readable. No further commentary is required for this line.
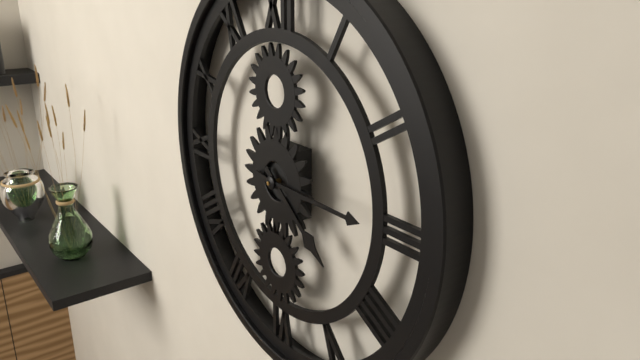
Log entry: 4,15
